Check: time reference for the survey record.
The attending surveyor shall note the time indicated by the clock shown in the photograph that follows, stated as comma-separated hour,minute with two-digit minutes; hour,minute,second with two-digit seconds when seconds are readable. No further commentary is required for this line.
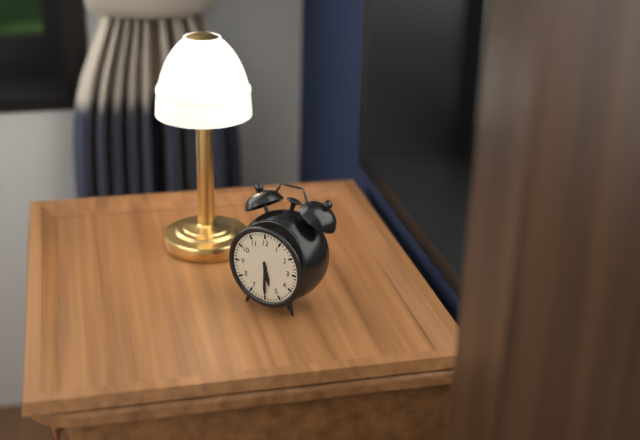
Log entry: 5,30
